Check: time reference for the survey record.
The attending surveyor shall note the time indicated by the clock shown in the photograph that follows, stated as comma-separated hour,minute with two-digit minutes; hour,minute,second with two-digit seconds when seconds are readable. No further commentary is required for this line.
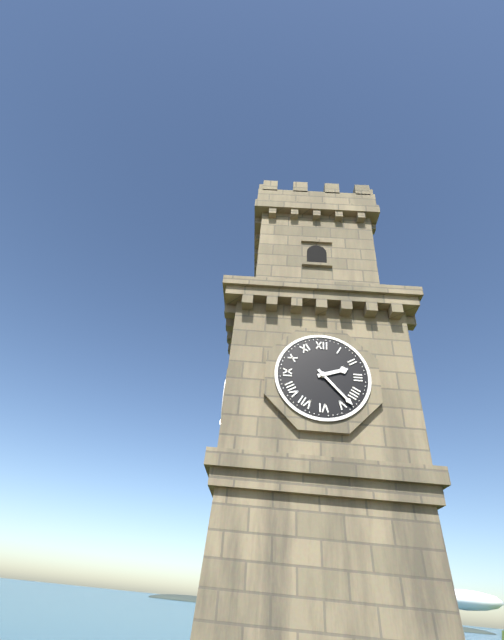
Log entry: 2,23
